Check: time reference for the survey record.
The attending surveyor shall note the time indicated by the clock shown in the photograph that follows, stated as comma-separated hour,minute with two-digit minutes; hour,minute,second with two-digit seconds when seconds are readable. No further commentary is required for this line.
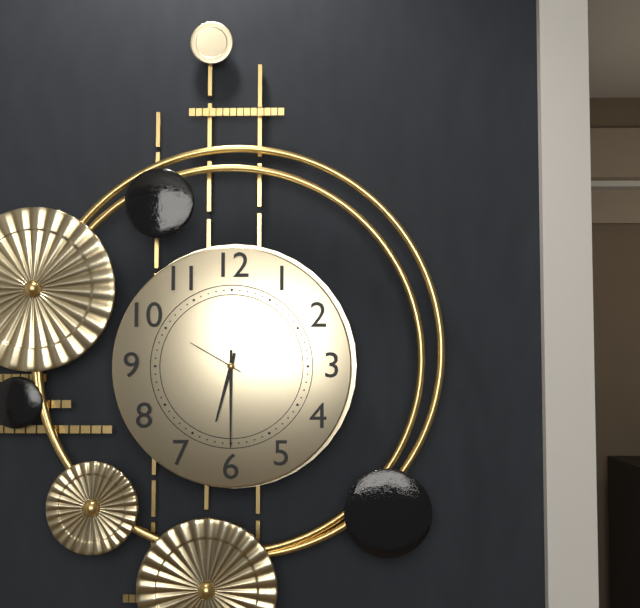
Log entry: 6,30,50
